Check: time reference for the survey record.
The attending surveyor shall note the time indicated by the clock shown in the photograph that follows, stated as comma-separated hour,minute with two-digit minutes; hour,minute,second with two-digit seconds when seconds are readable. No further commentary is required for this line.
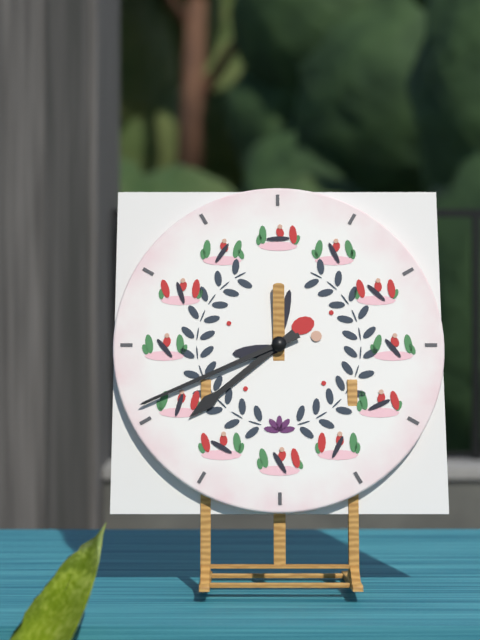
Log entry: 7,41
